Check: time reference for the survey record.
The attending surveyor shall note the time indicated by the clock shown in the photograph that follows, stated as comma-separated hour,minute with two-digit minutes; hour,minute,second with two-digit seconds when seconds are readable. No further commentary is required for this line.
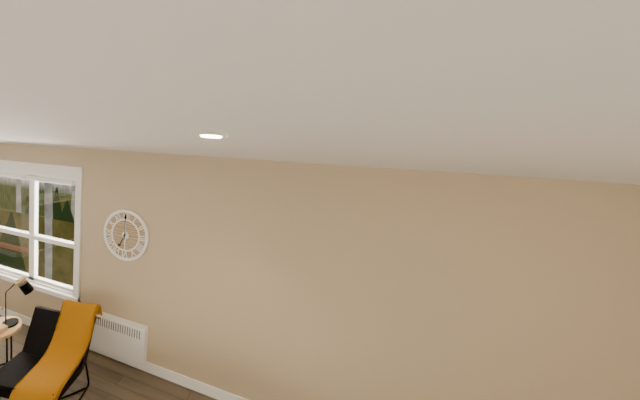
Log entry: 7,00
